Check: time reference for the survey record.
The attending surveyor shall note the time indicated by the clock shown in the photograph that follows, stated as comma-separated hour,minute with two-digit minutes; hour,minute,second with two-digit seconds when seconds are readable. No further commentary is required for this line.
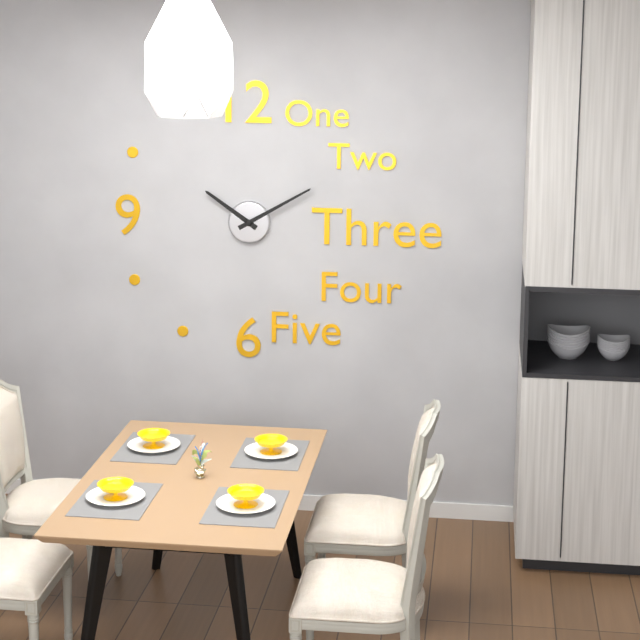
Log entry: 10,10
